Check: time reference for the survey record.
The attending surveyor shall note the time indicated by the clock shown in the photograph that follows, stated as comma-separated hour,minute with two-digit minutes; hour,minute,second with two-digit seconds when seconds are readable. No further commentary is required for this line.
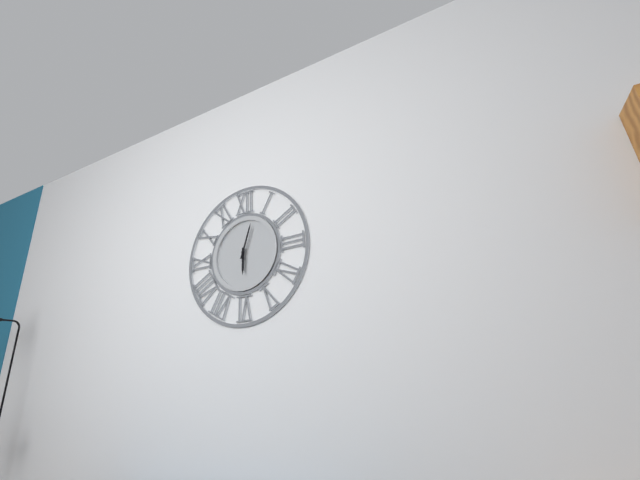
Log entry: 6,03
